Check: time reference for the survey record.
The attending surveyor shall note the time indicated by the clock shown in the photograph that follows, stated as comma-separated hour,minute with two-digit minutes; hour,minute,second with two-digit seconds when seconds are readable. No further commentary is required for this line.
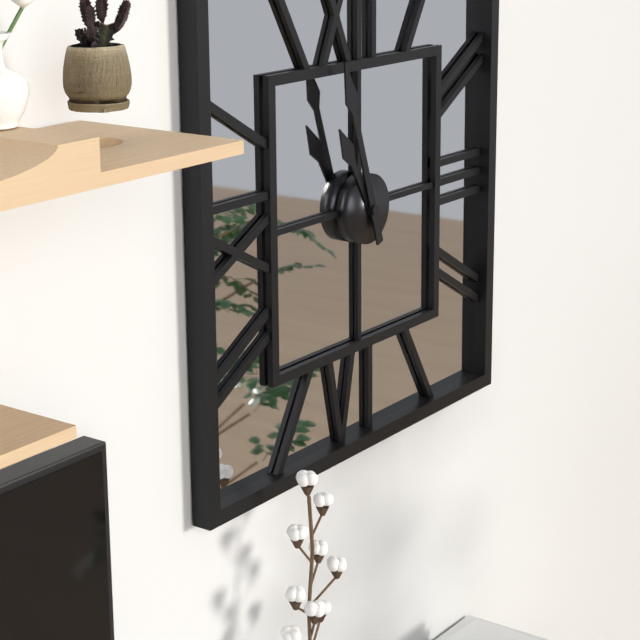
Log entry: 10,57
